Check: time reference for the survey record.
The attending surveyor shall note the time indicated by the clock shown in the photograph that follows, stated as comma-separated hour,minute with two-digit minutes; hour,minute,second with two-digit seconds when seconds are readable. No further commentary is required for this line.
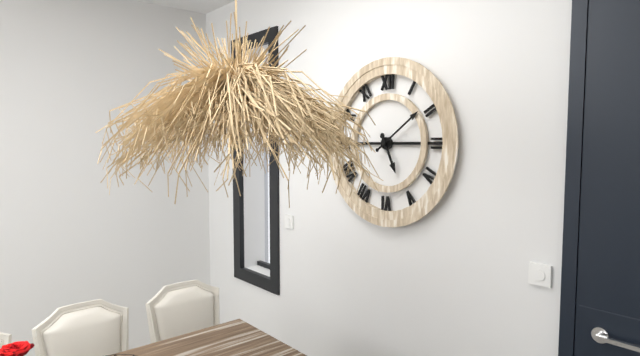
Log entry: 5,09
